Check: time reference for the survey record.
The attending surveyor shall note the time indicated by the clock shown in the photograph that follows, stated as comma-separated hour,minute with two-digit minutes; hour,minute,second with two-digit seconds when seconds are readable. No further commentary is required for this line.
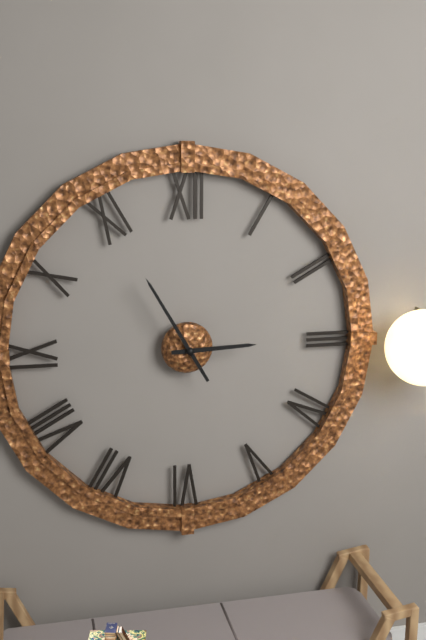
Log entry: 2,55
